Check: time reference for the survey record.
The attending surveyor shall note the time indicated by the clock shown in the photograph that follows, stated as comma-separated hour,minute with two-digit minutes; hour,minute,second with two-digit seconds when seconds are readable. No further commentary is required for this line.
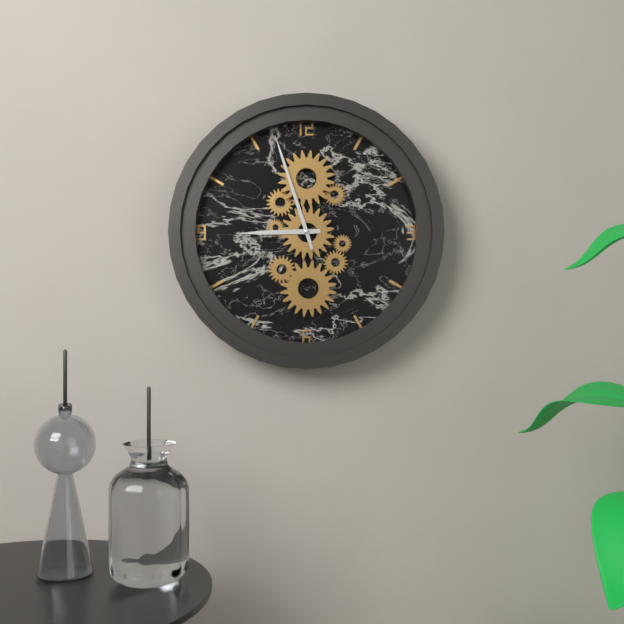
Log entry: 8,57
